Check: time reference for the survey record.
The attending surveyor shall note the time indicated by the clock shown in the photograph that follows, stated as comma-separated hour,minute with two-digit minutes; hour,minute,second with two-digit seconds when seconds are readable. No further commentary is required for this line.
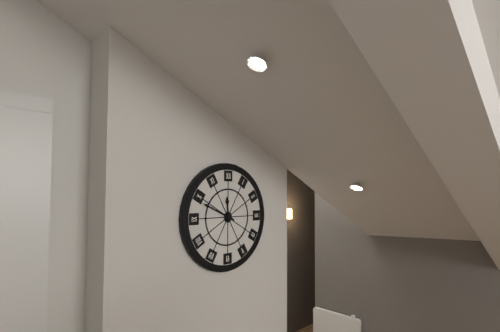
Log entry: 11,49
